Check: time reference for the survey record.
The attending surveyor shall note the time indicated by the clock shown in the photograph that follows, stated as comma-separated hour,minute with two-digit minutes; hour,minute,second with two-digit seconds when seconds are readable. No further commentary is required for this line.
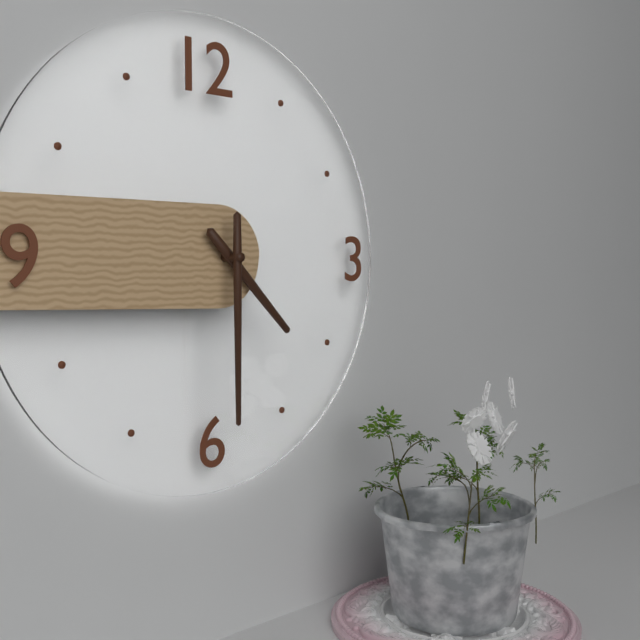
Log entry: 4,30
